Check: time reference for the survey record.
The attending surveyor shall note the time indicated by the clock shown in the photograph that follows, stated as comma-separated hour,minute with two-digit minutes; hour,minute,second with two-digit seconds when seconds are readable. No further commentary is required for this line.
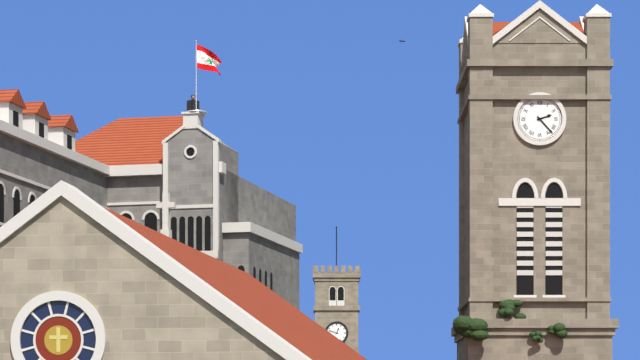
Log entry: 2,23
